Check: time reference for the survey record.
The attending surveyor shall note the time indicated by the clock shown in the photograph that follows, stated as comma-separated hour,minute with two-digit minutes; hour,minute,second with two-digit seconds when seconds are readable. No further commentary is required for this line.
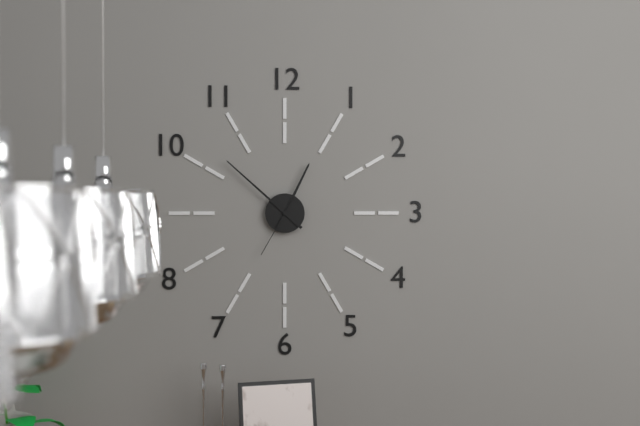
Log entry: 12,52,35
